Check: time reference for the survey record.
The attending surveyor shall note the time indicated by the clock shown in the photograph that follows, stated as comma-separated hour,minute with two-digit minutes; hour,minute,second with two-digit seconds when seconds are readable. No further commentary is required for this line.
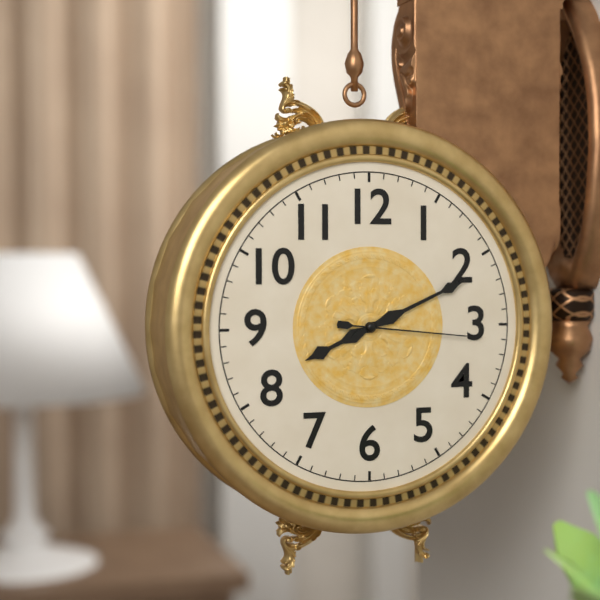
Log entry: 8,11,16
